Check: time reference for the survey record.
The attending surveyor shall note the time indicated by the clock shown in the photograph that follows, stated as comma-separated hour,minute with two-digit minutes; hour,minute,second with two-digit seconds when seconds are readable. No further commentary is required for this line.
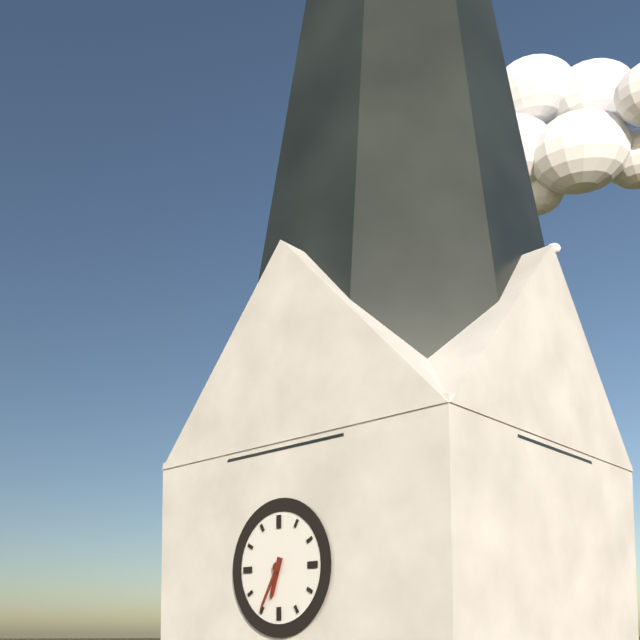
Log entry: 6,35
